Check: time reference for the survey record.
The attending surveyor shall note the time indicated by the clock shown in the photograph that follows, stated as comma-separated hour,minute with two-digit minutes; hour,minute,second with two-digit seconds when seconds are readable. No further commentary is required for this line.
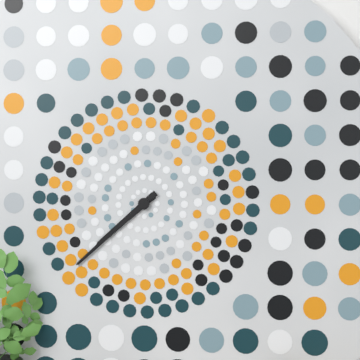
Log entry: 7,38
